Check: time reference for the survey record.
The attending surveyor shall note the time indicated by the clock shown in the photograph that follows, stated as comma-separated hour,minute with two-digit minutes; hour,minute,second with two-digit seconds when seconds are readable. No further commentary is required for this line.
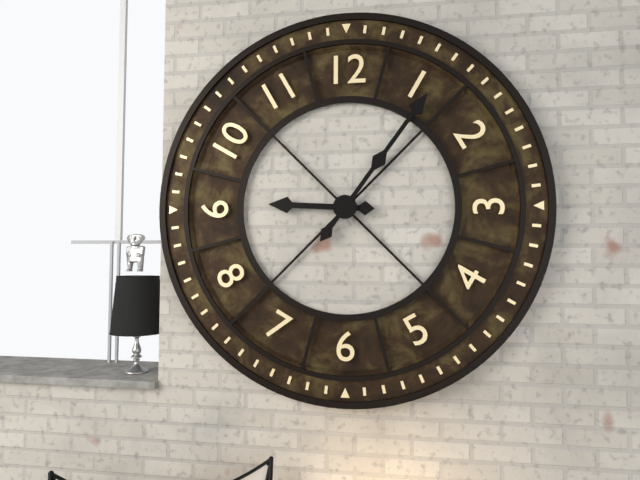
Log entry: 9,06
